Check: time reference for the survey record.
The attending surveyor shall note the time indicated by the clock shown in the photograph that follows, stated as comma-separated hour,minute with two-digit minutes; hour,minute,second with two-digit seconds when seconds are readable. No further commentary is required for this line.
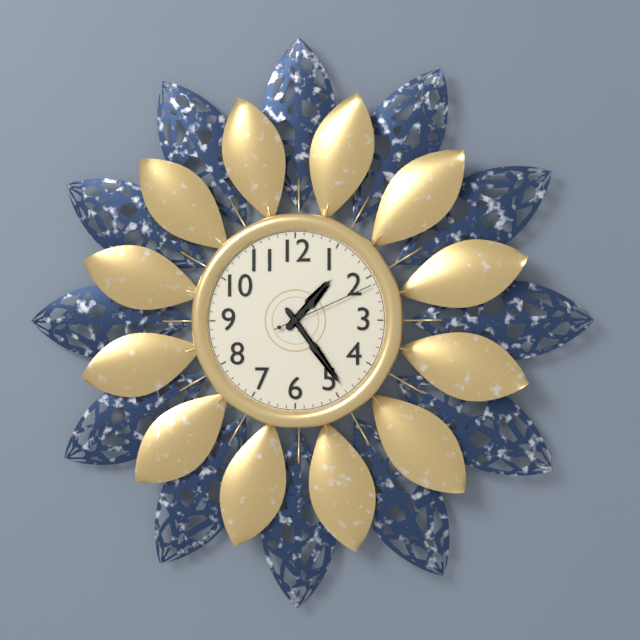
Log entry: 1,24,11
